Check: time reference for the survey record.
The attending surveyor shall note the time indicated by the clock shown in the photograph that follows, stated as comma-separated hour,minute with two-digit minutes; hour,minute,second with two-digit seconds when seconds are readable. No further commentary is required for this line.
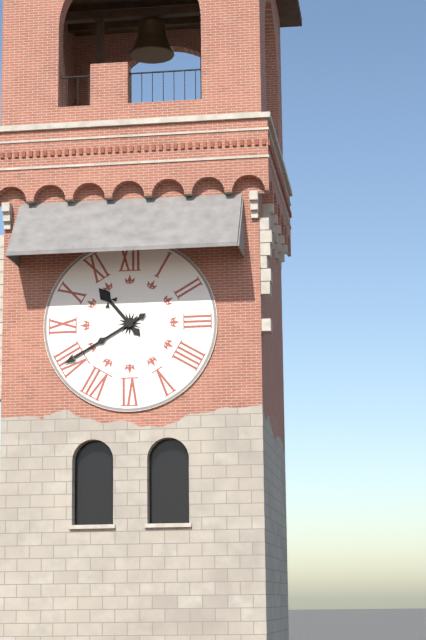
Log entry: 10,40
